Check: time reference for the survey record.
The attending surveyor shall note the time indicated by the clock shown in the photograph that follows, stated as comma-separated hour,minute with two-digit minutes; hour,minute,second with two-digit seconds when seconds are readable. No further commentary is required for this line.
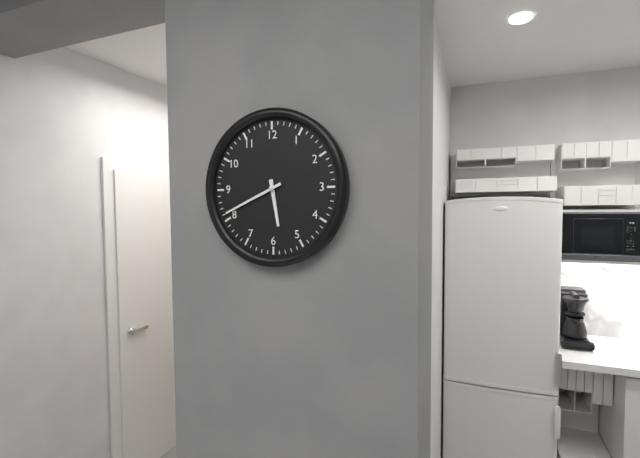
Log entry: 5,41
